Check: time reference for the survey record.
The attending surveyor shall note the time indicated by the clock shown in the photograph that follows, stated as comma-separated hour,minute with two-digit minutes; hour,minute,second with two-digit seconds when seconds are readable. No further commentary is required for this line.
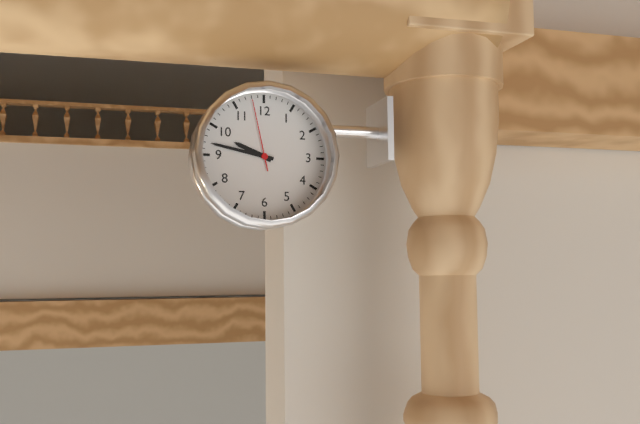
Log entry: 9,47,58
